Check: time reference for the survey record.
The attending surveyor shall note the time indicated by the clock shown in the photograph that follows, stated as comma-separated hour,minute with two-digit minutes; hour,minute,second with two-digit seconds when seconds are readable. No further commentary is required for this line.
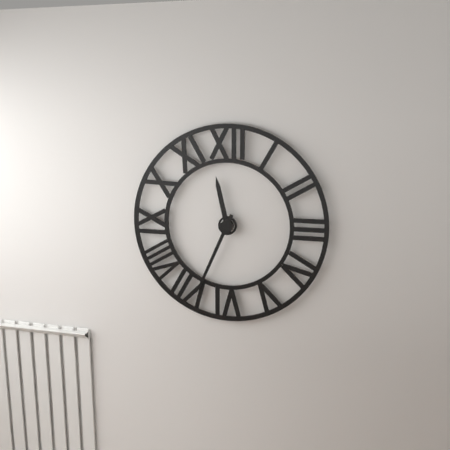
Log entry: 11,34
